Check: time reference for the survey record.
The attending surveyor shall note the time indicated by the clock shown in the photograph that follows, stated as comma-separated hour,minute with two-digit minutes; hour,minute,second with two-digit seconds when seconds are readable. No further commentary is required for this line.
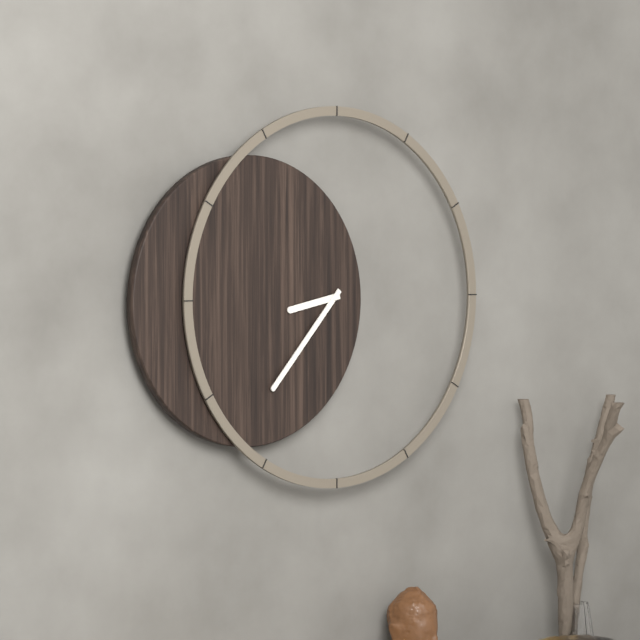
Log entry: 8,37
